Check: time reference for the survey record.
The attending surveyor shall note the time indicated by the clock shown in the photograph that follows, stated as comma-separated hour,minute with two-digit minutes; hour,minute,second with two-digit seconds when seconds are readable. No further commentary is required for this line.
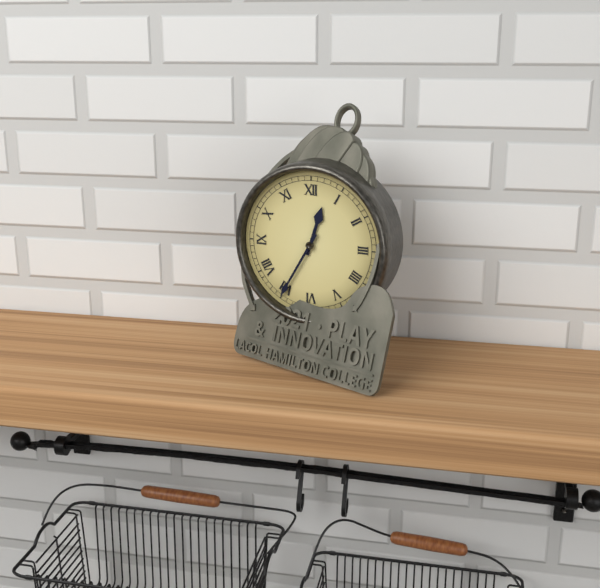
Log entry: 12,35
